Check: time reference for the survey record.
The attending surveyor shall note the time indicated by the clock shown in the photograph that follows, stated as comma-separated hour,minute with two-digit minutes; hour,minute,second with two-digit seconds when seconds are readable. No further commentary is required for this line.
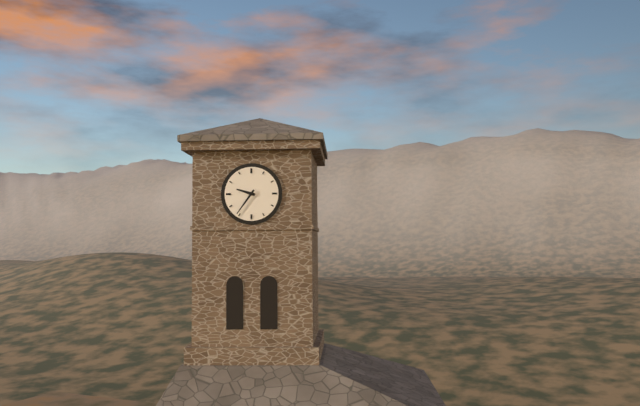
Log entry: 9,36
